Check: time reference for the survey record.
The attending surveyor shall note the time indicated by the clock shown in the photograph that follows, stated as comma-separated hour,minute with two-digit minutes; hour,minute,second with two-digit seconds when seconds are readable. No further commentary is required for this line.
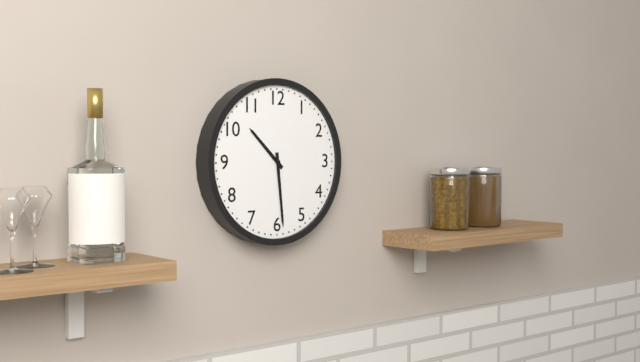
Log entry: 10,29
